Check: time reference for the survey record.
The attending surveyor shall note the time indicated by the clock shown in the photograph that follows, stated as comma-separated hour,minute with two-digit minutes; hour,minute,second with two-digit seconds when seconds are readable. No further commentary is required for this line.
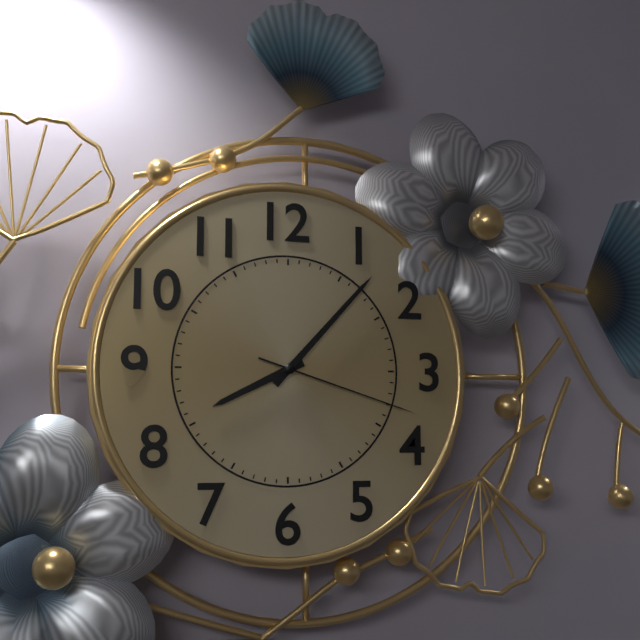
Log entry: 8,07,18
